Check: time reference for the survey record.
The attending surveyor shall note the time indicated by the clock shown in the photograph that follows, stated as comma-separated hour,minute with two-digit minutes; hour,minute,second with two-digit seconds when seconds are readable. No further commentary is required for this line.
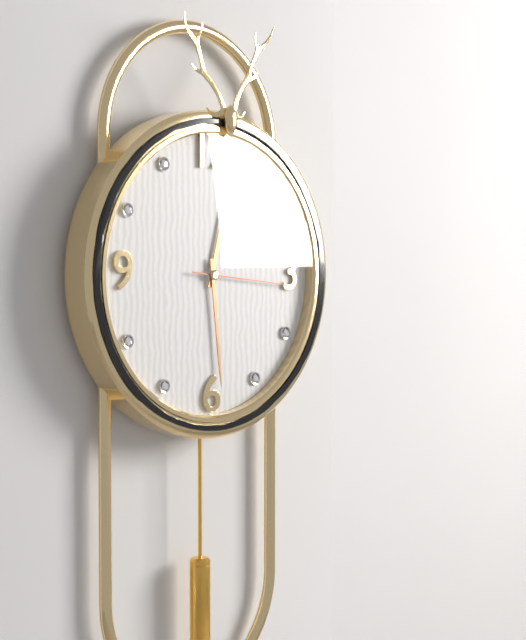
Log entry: 12,29,16
